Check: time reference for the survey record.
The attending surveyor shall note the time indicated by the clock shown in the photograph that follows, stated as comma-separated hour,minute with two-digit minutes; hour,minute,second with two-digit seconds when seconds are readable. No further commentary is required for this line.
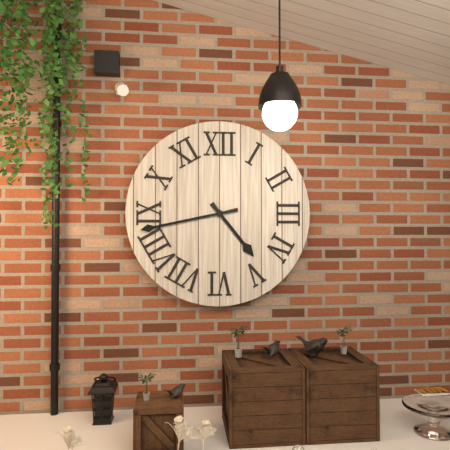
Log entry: 4,43
